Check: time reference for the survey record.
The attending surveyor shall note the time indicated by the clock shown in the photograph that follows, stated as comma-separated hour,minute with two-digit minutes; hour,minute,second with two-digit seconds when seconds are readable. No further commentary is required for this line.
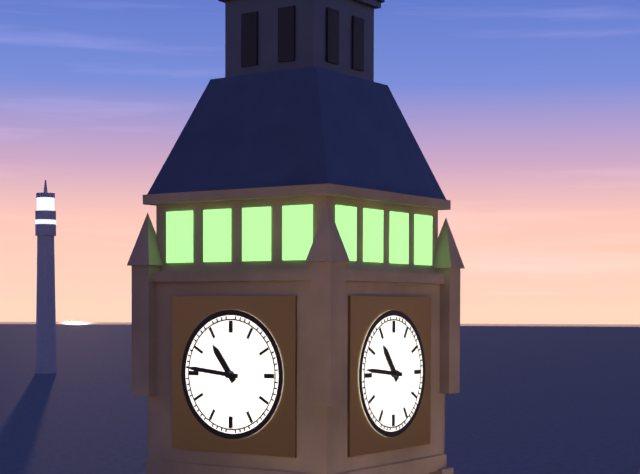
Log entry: 10,46
